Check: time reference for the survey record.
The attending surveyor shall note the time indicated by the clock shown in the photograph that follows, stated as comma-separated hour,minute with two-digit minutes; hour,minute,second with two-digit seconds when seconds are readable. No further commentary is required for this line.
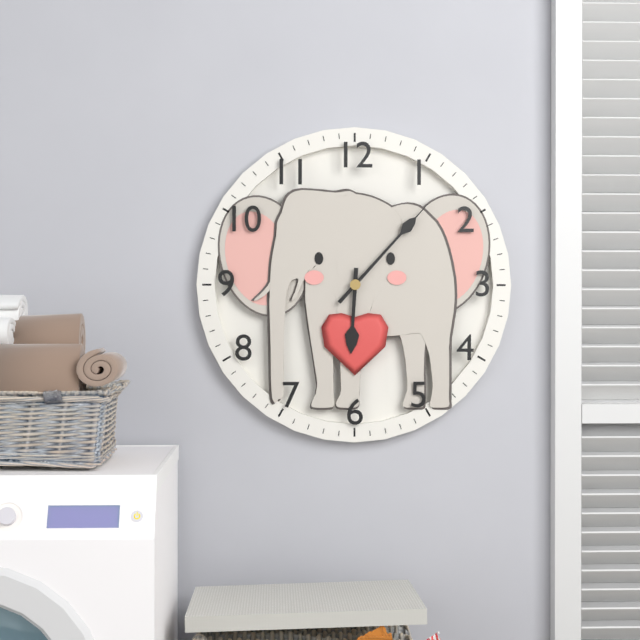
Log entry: 6,07
